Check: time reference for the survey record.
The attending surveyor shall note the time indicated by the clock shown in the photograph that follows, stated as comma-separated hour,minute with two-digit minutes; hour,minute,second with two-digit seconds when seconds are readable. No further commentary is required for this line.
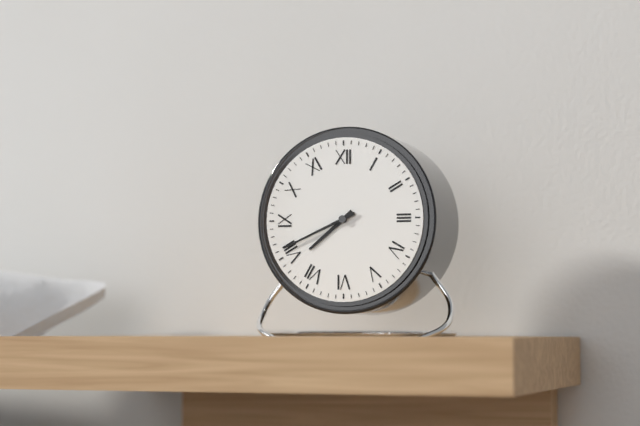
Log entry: 7,41
